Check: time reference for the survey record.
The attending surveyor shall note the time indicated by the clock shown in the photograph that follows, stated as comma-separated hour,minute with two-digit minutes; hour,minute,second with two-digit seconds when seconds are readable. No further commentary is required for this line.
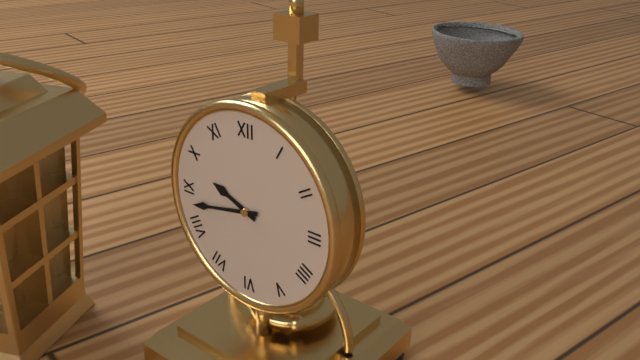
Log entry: 9,43
